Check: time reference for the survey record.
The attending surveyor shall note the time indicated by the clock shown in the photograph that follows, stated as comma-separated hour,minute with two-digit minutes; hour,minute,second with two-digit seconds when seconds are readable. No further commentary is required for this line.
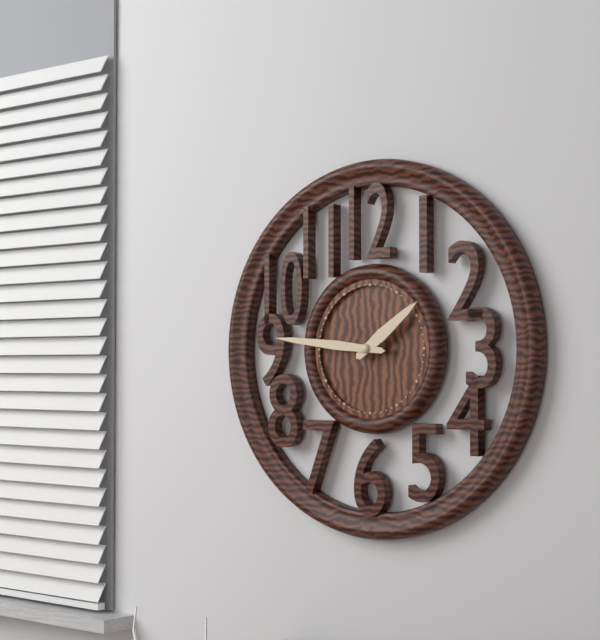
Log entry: 1,46
